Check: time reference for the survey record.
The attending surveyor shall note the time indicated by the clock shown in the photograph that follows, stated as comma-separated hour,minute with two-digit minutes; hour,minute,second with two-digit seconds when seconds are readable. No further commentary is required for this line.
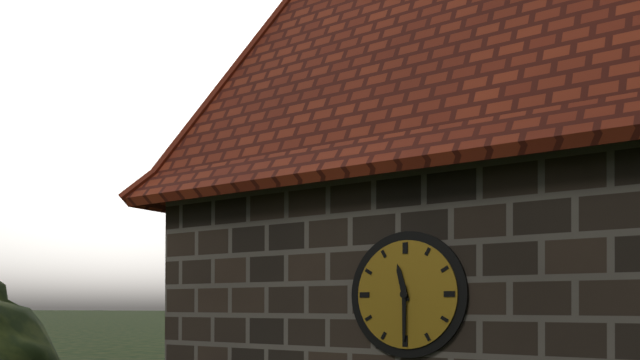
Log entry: 11,30
